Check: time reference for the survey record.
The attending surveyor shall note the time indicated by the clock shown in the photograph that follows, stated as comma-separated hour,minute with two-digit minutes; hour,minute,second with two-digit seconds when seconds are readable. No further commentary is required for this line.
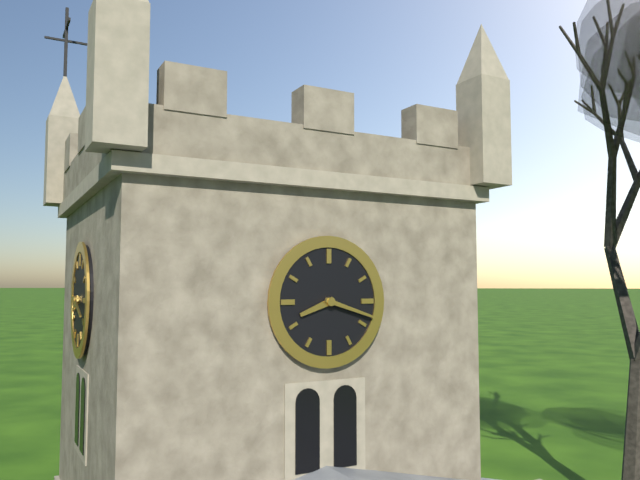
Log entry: 8,18
